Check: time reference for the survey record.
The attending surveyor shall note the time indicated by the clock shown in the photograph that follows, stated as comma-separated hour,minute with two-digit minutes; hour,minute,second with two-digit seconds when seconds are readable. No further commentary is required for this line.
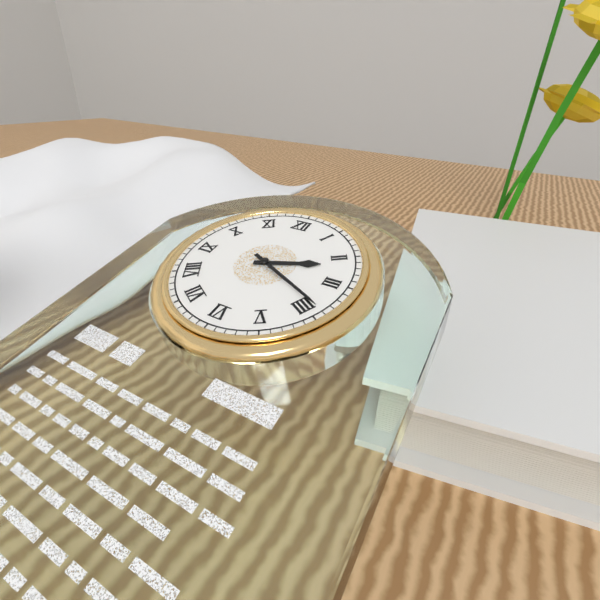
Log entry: 2,19
